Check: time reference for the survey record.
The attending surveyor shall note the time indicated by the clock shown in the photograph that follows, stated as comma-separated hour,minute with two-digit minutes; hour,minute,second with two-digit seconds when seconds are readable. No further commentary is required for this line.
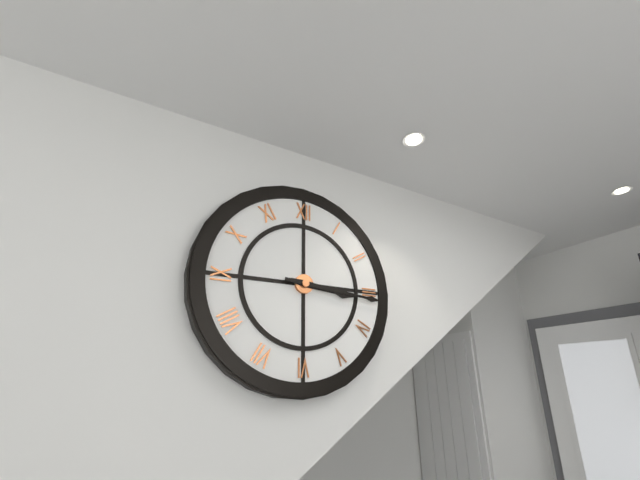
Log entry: 3,16
